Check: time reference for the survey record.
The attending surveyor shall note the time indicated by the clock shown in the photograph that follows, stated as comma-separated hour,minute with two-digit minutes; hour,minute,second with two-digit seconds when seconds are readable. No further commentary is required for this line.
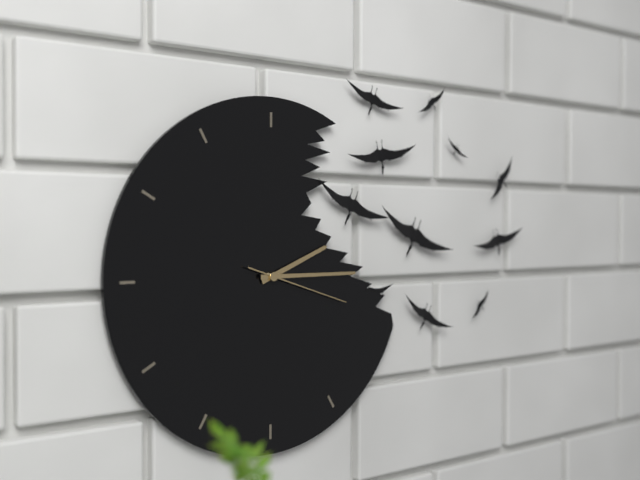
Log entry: 2,15,18
